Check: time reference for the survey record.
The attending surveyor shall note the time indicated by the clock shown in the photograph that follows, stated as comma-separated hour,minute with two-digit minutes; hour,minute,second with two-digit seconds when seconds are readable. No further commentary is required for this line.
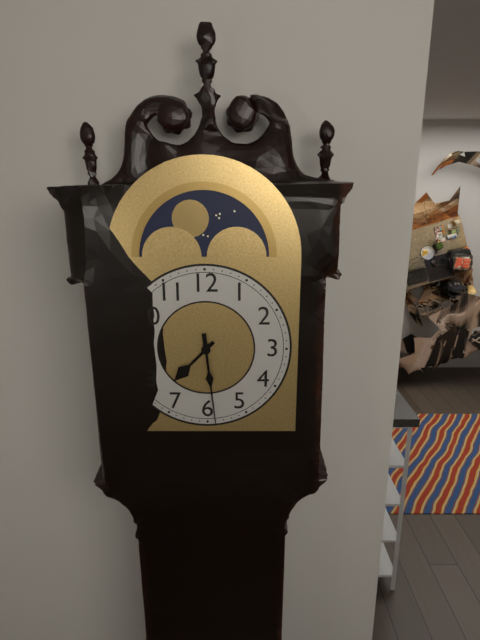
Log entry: 7,29
